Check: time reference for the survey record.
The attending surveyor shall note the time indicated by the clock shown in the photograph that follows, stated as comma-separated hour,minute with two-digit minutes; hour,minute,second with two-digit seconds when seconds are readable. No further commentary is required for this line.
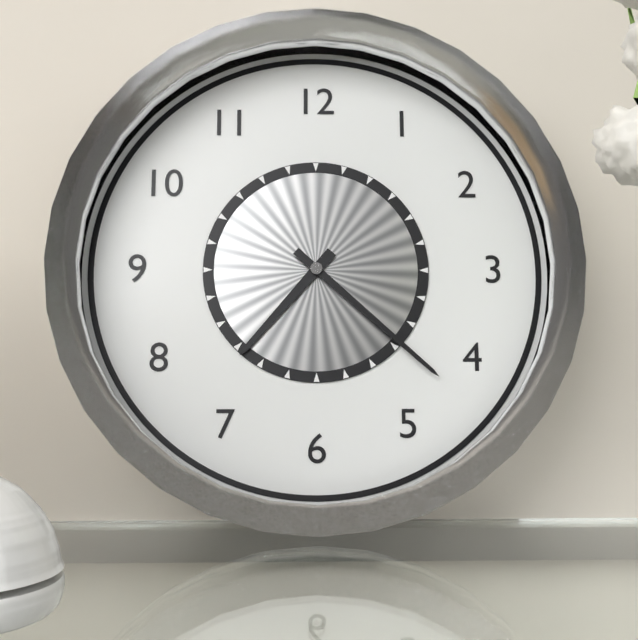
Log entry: 7,22
